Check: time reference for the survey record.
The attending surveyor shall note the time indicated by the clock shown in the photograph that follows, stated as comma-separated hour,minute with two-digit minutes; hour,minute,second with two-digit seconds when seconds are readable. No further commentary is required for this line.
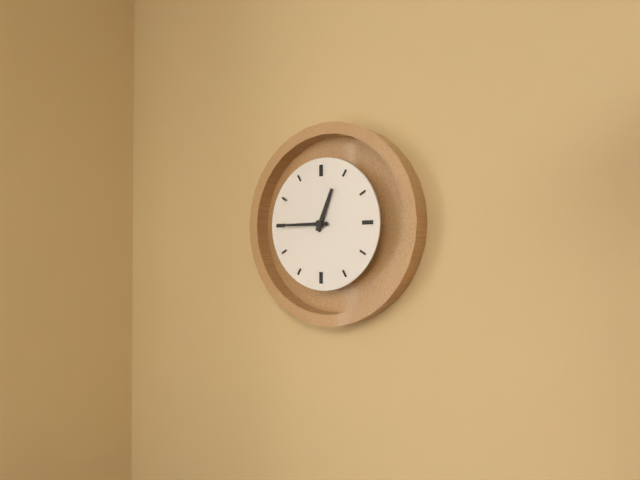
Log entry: 12,45
